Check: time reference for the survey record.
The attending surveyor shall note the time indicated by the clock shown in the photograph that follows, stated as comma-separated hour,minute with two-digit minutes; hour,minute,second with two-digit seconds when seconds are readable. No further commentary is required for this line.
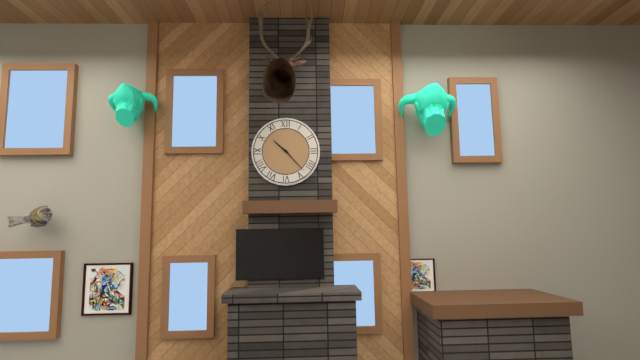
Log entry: 10,23
